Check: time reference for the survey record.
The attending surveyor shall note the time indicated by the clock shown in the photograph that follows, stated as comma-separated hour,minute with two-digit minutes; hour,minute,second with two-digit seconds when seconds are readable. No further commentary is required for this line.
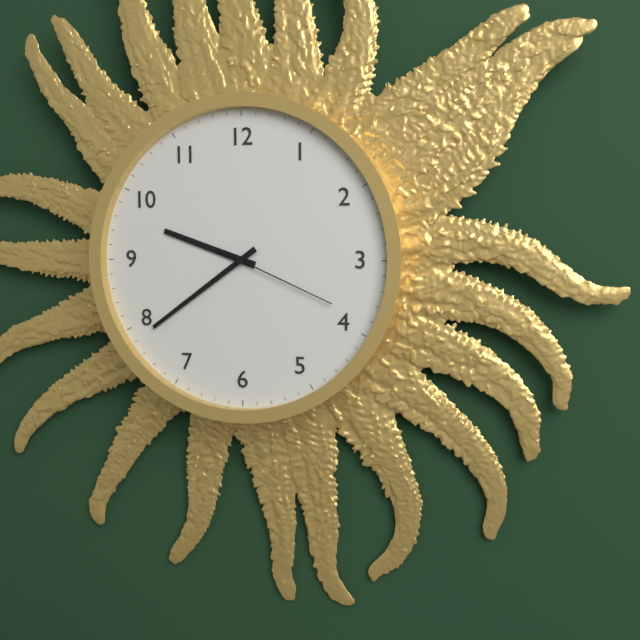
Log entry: 9,39,19
